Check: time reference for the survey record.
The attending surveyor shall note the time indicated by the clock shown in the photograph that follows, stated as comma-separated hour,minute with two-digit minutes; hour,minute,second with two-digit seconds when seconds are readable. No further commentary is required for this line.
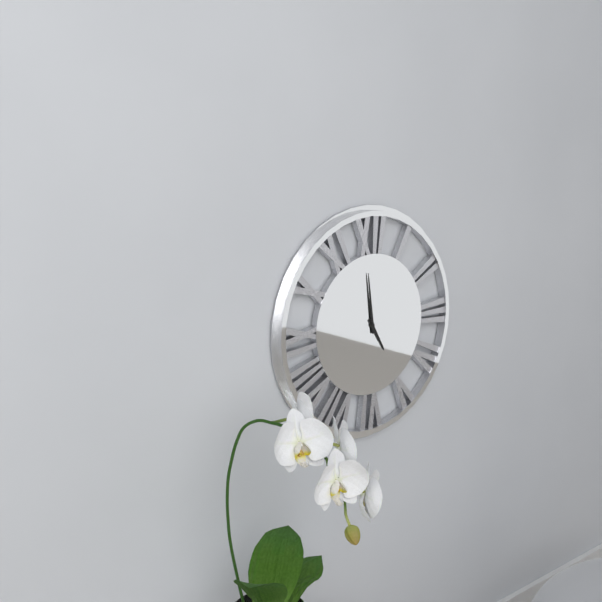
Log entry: 4,59
